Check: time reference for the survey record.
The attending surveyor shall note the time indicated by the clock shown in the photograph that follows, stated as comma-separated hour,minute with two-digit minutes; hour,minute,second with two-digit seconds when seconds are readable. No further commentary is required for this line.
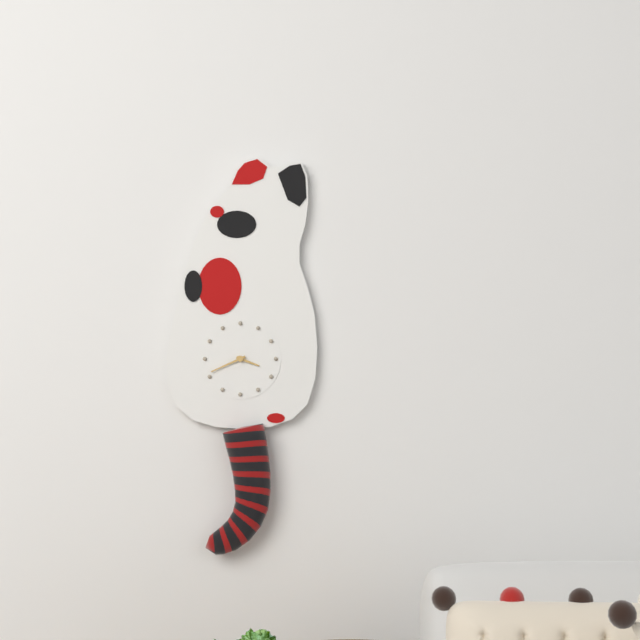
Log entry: 3,41
